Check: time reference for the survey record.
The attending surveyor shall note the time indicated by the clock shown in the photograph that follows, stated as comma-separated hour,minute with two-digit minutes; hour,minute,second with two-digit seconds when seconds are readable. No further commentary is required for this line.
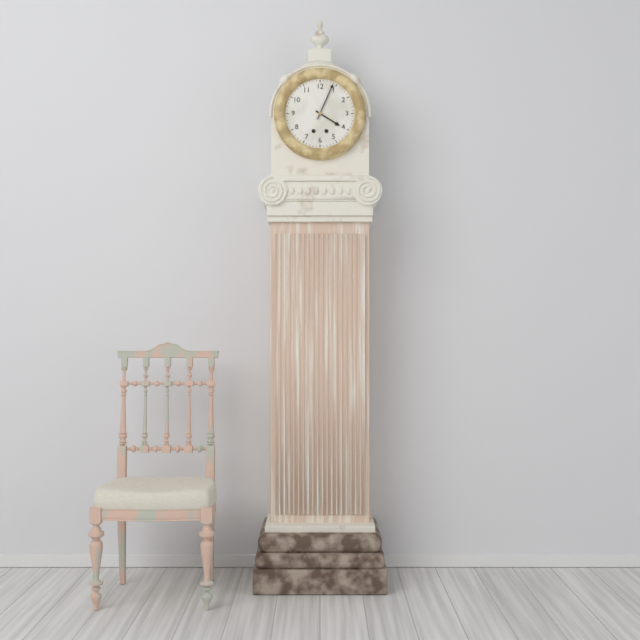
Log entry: 4,04
